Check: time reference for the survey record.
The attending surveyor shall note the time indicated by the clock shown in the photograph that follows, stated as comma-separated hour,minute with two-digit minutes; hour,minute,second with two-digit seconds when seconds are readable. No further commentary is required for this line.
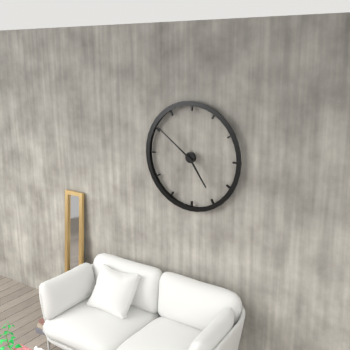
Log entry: 4,51
